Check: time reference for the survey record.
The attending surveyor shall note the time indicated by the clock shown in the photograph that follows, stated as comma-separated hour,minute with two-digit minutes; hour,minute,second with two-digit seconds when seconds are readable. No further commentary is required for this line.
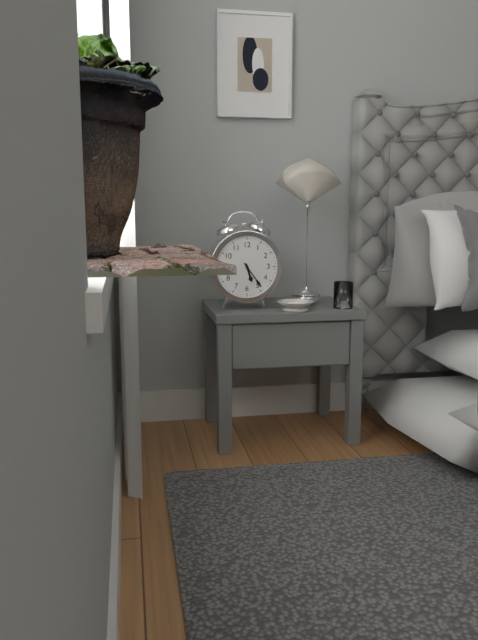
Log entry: 5,24
